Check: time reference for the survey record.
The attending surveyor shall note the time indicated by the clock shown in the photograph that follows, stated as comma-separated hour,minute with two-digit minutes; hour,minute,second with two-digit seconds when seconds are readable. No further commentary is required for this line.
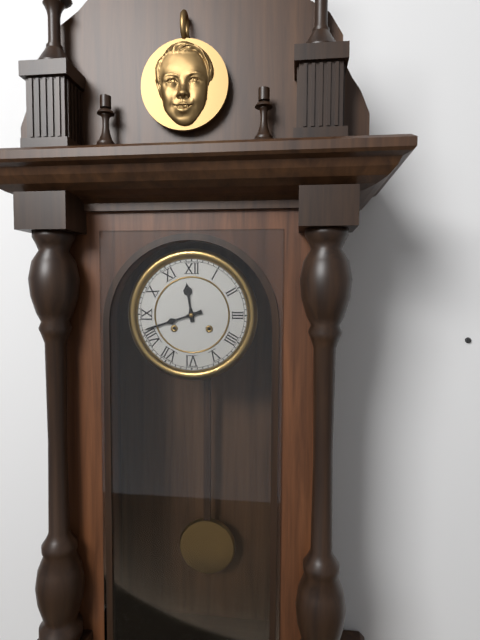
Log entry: 11,42
